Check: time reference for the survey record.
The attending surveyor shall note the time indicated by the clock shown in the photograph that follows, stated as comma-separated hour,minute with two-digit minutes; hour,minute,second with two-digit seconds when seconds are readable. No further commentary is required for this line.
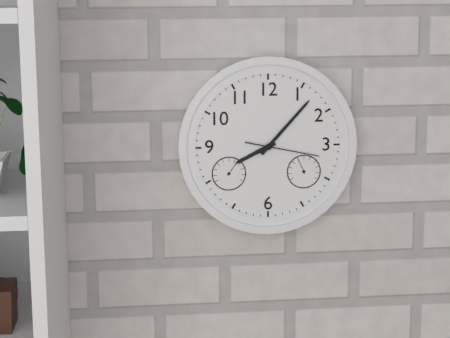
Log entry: 8,07,17
